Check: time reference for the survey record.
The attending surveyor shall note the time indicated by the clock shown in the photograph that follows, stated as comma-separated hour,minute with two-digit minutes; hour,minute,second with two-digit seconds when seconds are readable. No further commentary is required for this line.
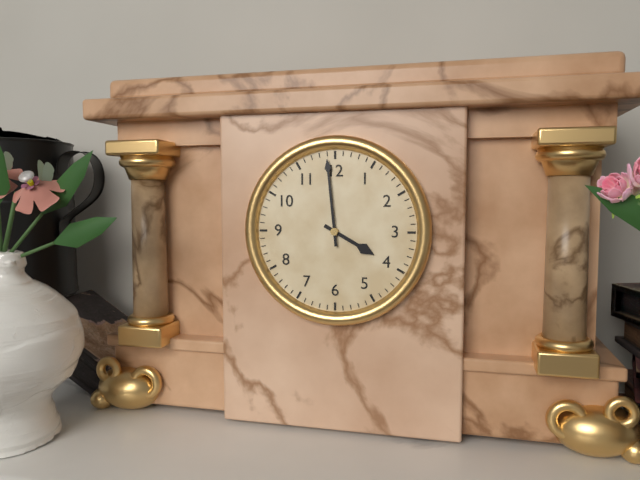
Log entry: 3,59
